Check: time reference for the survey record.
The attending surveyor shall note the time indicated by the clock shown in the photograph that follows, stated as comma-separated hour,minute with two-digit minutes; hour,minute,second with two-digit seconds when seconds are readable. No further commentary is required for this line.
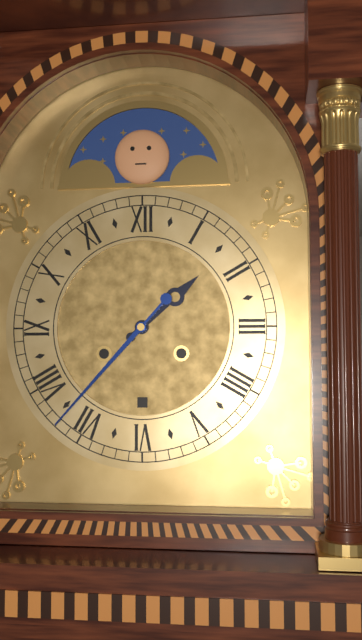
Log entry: 1,37
